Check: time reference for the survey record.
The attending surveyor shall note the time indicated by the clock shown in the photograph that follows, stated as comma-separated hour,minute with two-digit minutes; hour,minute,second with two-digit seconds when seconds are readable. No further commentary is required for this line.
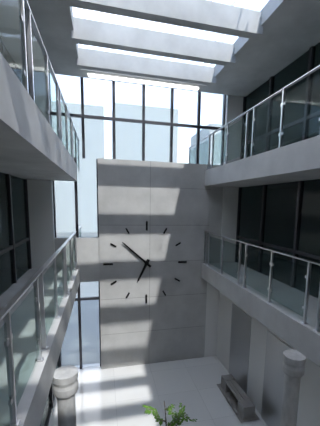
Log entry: 6,52
